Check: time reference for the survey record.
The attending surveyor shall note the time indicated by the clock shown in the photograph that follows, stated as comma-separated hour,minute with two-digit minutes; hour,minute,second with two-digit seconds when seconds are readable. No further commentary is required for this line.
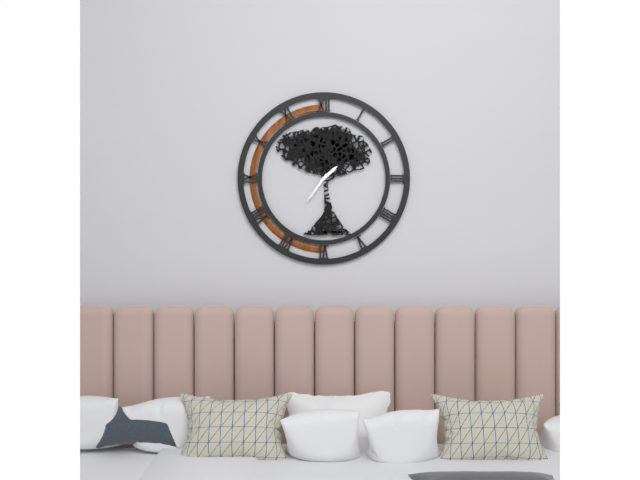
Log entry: 1,36
